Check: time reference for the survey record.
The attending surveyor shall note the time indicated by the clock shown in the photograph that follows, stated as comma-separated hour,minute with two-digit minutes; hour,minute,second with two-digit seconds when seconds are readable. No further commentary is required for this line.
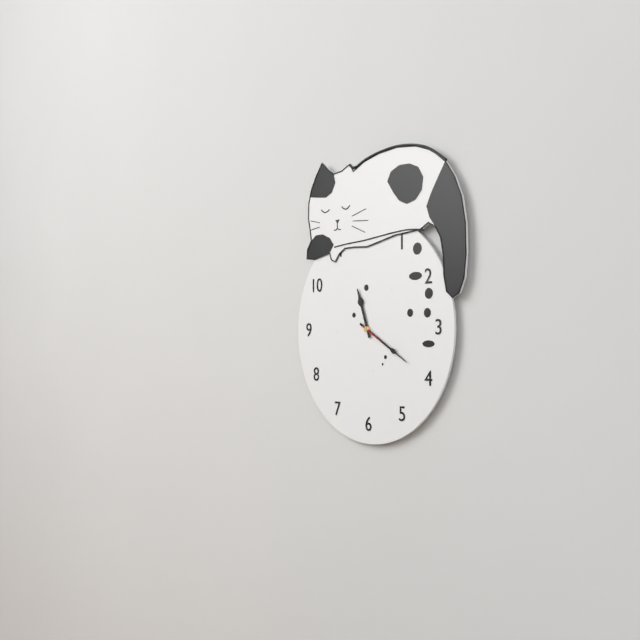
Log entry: 11,20
